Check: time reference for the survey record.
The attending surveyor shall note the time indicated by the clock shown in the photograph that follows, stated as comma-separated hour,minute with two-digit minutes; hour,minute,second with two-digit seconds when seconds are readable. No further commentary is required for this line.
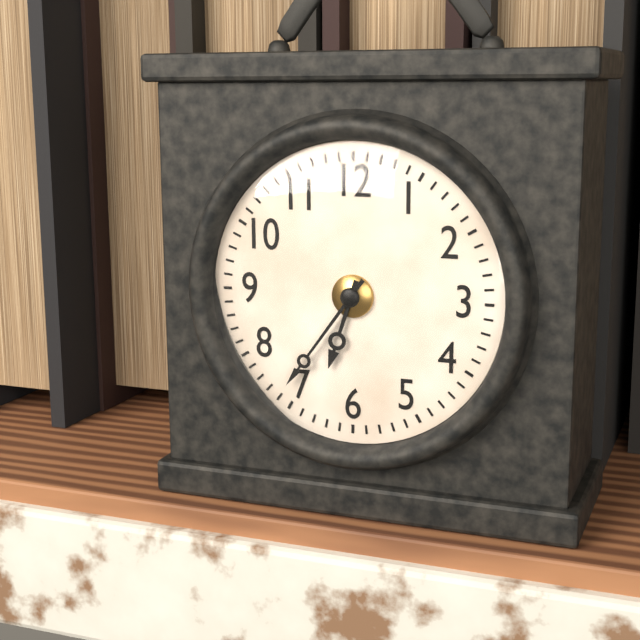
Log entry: 6,36
